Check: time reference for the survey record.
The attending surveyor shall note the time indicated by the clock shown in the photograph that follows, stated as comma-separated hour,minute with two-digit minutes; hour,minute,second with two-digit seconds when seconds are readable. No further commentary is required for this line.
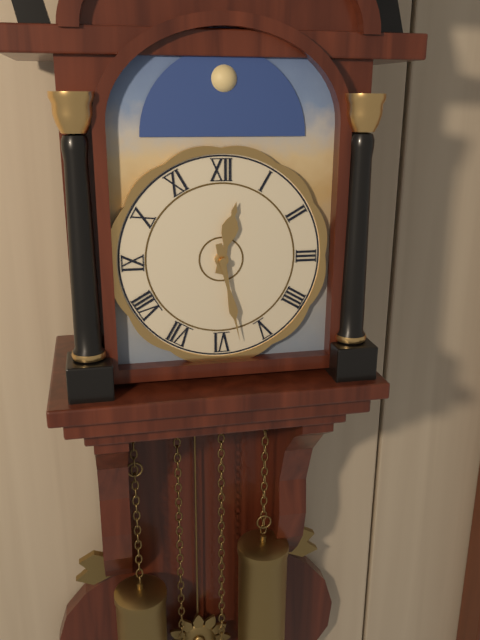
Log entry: 12,28
